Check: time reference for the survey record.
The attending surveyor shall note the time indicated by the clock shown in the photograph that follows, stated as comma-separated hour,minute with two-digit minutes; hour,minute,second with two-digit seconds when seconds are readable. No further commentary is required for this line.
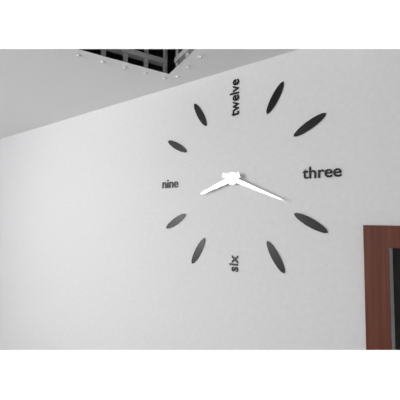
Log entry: 8,19
